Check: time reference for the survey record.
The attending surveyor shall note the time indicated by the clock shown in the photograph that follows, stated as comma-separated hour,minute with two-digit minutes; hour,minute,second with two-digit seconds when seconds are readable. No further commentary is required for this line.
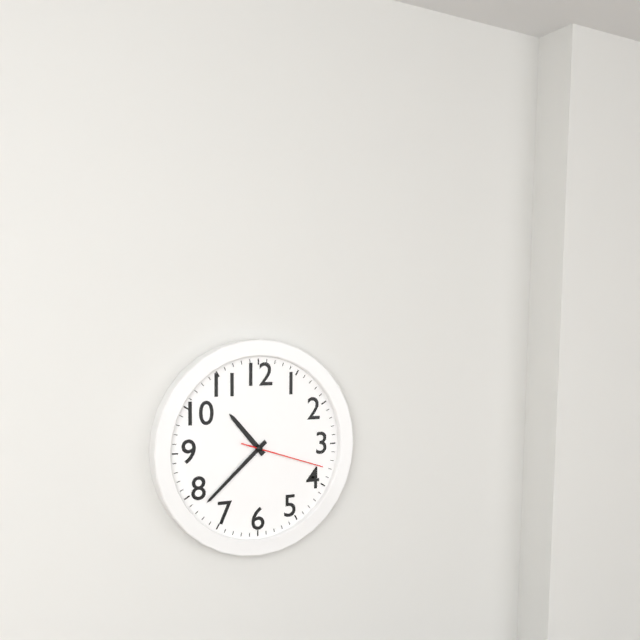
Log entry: 10,38,18
